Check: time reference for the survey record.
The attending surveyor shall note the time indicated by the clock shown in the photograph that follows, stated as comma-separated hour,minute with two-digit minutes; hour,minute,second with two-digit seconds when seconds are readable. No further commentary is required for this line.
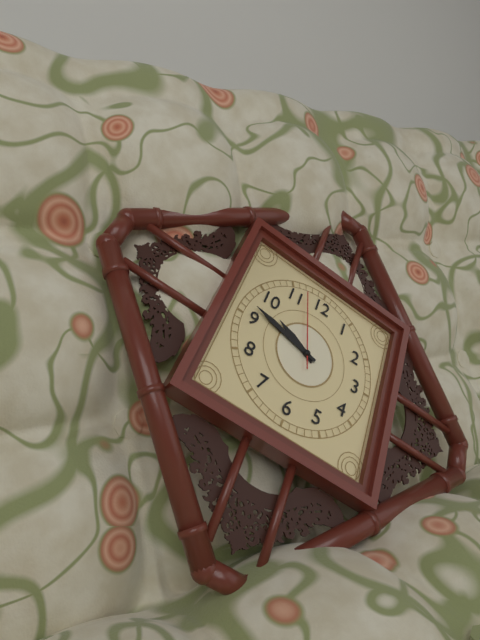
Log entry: 9,47,57
